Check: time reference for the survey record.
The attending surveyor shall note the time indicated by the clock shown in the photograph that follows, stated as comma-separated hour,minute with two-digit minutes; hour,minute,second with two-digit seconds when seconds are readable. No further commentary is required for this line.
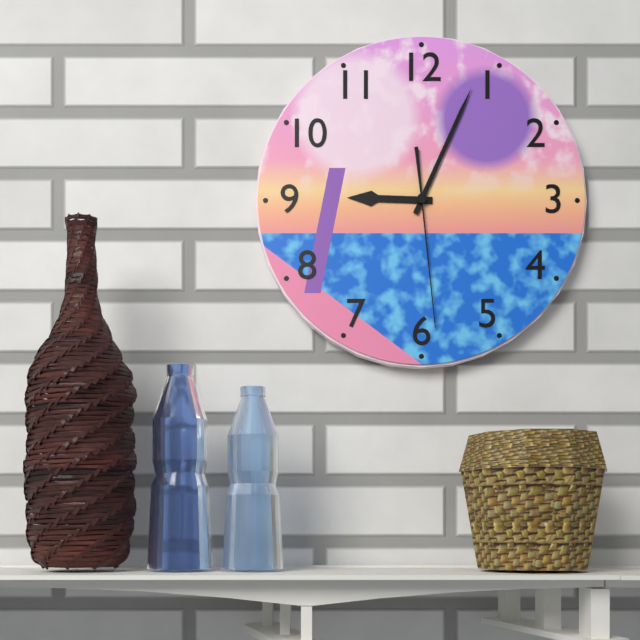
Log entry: 9,04,29
